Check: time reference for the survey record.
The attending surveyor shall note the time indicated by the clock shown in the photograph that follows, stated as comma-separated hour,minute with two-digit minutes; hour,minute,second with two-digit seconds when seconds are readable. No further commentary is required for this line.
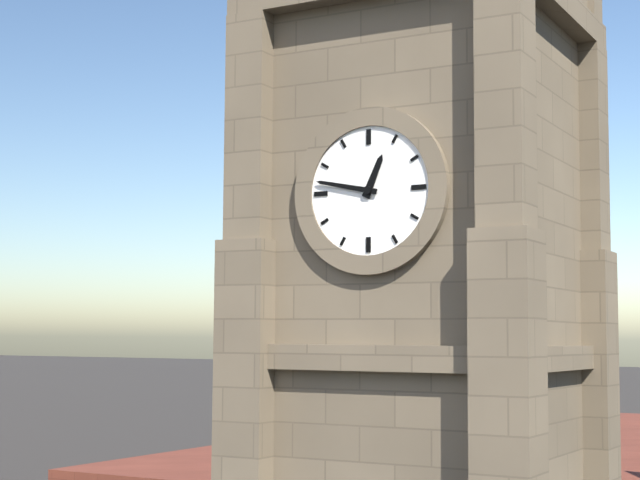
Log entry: 12,47
